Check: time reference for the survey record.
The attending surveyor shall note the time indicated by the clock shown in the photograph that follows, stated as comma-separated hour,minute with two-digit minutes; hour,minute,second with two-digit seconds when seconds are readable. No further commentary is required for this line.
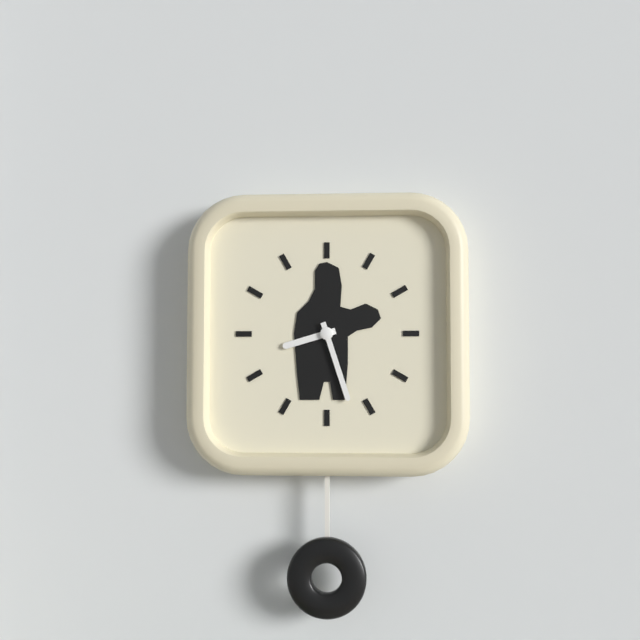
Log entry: 8,27
